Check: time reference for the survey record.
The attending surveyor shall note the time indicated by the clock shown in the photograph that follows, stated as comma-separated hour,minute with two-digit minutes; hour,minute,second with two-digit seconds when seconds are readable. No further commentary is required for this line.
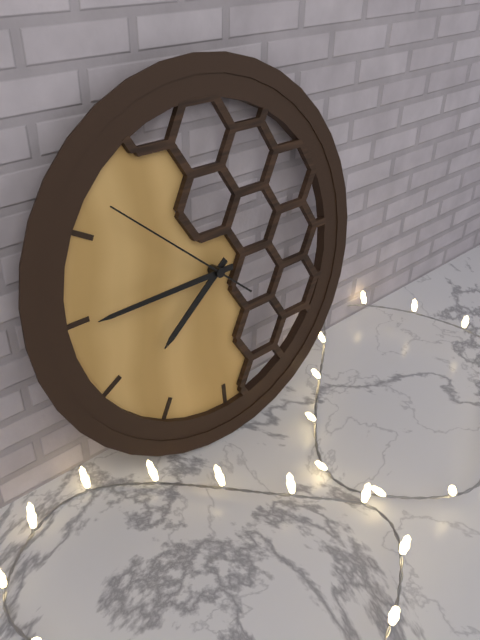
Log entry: 7,45,52
